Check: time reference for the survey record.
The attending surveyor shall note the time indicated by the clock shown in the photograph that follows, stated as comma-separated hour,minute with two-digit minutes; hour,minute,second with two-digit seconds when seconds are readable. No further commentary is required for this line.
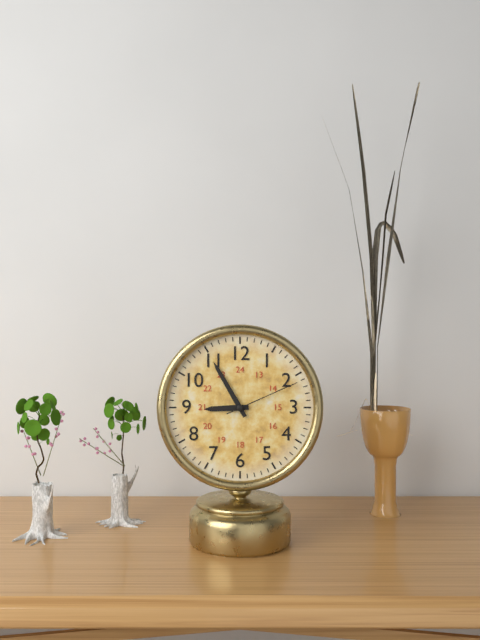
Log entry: 8,55,11
